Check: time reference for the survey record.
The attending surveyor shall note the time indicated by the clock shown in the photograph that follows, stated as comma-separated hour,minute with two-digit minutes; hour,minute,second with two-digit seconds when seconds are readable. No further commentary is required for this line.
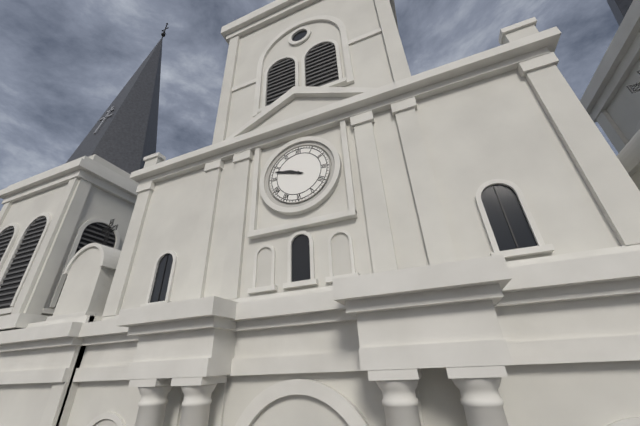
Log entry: 9,48
